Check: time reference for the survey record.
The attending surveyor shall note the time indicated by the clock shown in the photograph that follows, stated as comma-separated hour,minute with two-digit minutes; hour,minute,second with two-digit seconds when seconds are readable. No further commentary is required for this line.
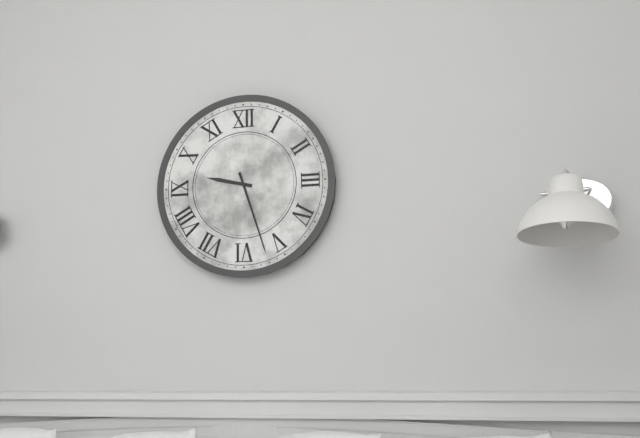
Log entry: 9,27
